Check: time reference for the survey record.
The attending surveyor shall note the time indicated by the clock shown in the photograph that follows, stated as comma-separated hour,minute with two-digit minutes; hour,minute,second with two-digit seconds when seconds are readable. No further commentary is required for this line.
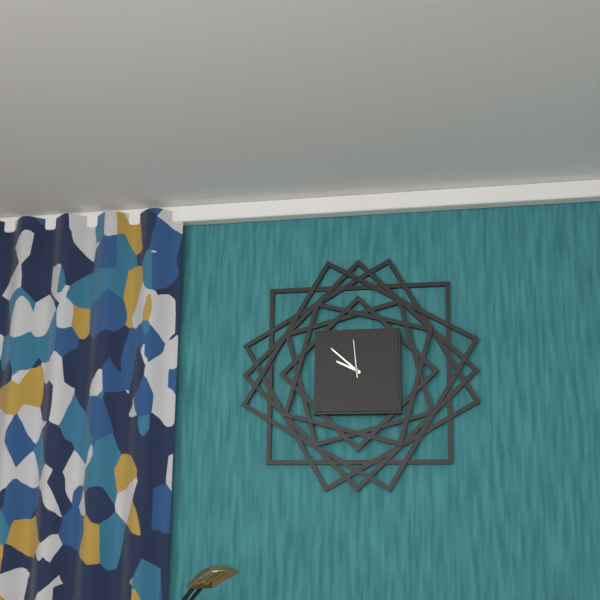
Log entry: 9,52
